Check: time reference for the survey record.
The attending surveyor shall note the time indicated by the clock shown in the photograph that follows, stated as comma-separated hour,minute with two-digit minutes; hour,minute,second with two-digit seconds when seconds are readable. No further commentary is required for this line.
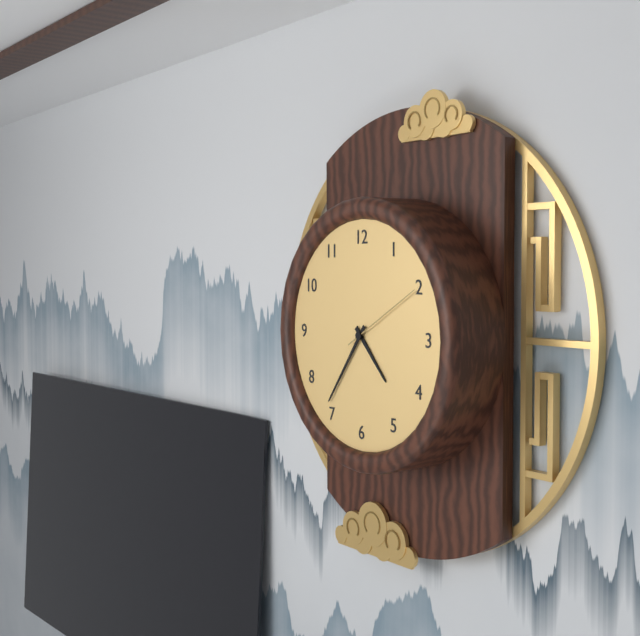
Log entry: 4,36,10
